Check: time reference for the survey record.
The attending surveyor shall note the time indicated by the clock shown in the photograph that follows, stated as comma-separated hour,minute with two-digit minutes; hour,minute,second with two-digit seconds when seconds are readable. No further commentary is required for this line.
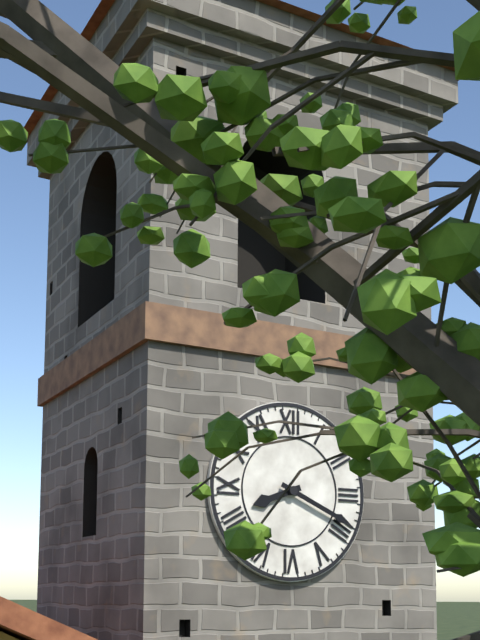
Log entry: 8,19
